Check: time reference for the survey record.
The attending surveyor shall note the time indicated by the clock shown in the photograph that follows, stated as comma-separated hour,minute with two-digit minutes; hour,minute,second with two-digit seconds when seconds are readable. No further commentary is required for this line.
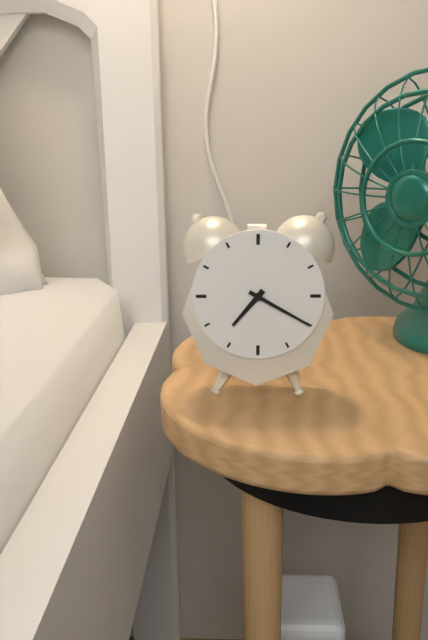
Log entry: 7,20
